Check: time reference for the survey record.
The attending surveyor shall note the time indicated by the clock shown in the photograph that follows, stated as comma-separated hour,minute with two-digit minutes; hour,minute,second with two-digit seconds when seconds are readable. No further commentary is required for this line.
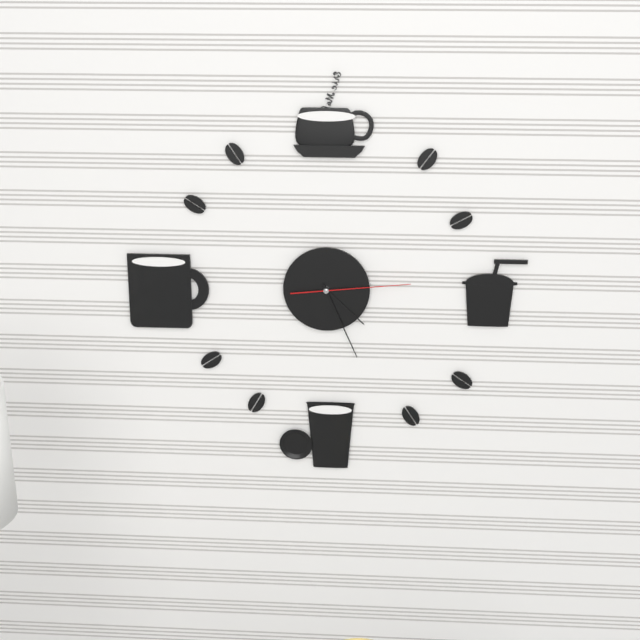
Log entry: 4,26,14
